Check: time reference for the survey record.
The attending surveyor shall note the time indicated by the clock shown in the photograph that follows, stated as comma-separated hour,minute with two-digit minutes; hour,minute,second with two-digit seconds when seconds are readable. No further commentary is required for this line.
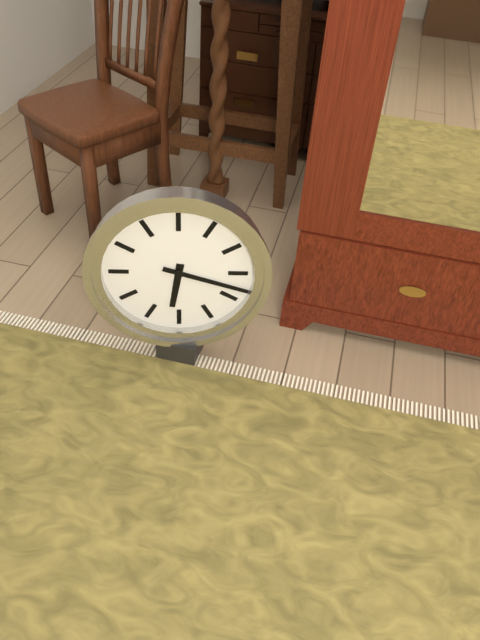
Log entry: 6,18
